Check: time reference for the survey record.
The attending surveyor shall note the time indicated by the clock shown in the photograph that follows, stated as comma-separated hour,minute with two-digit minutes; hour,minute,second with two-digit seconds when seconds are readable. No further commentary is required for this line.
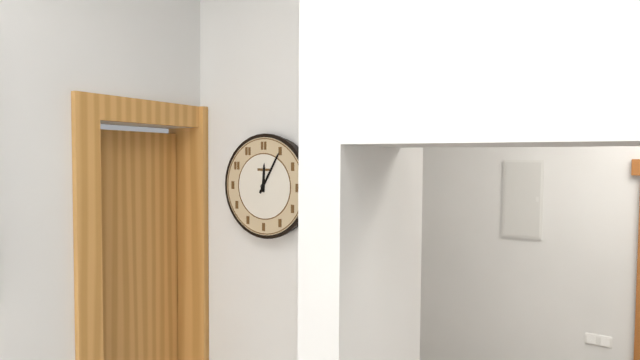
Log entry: 12,05
